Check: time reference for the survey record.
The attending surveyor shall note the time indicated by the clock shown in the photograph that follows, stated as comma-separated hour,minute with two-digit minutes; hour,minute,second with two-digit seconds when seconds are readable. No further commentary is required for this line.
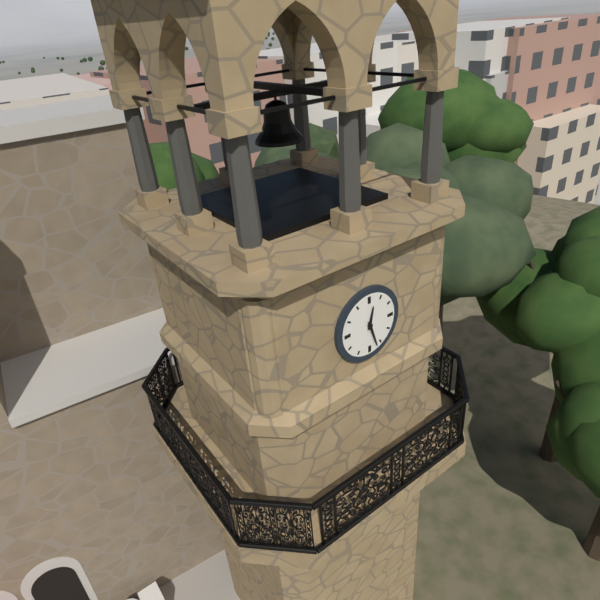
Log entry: 12,27
